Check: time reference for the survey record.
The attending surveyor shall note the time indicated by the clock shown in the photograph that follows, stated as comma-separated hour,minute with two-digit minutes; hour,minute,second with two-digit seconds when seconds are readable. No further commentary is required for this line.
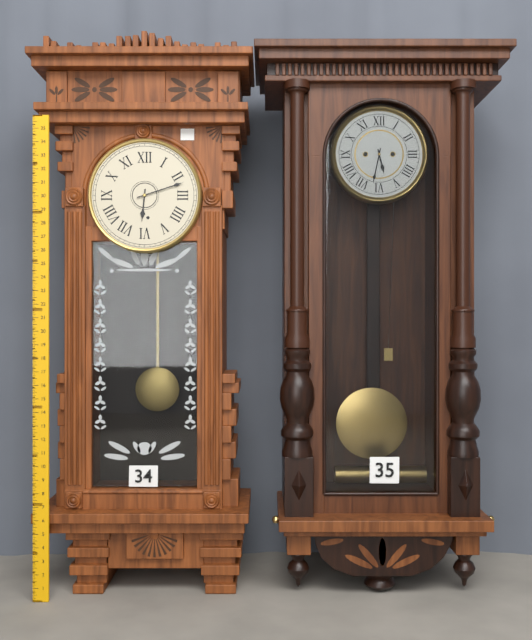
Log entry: 6,12
